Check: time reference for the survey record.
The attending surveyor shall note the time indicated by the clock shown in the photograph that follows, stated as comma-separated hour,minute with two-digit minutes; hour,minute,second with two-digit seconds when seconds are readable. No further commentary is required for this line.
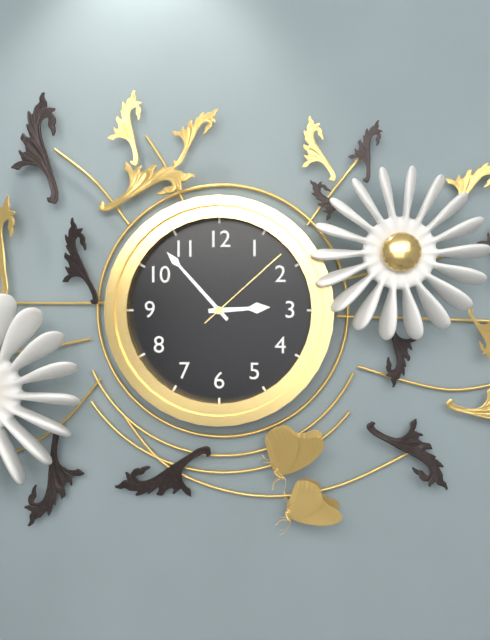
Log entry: 2,53,08
